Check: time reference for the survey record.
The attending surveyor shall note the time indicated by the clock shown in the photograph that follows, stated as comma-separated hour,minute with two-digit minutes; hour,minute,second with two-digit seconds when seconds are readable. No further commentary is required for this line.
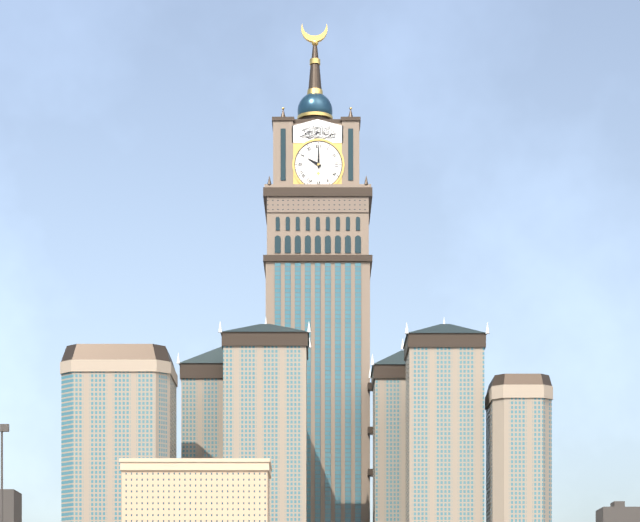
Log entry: 10,00
